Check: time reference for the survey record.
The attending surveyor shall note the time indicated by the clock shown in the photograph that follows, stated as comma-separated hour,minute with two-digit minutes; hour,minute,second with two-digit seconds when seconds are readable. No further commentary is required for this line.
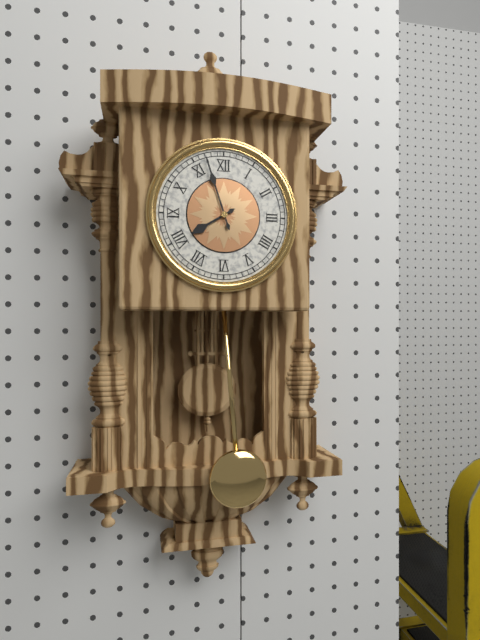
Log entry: 7,57
